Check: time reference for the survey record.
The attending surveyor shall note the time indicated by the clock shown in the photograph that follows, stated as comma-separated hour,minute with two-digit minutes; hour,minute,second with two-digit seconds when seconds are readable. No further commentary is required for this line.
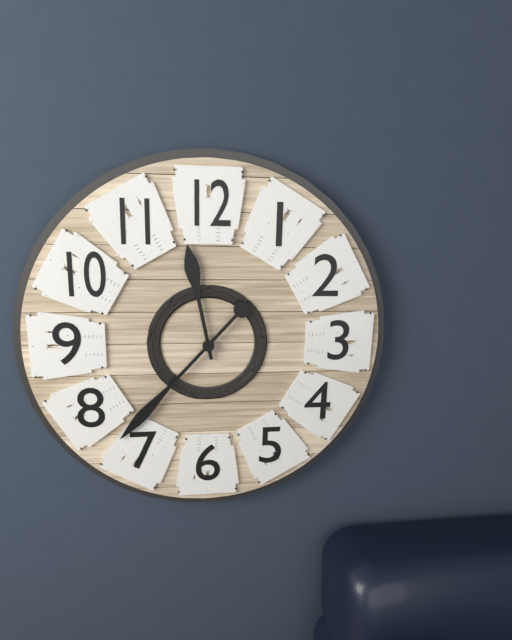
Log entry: 11,37
